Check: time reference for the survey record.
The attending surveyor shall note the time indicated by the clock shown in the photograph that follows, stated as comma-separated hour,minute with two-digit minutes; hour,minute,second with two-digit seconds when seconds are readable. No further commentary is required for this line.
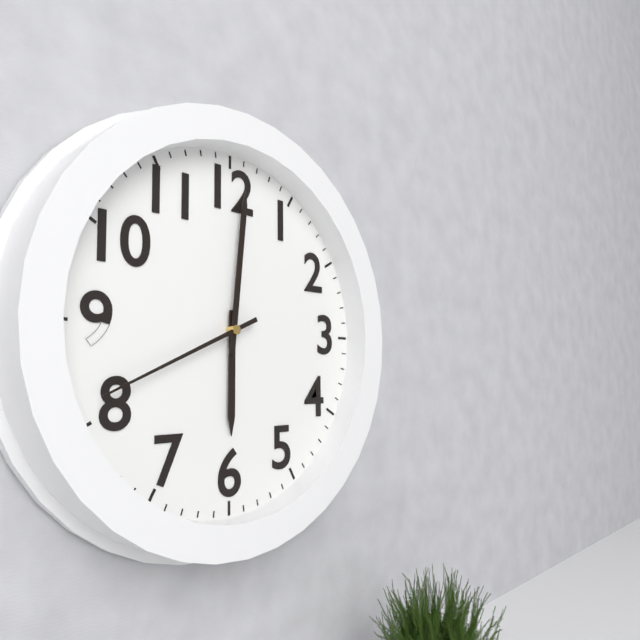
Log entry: 6,01,41
